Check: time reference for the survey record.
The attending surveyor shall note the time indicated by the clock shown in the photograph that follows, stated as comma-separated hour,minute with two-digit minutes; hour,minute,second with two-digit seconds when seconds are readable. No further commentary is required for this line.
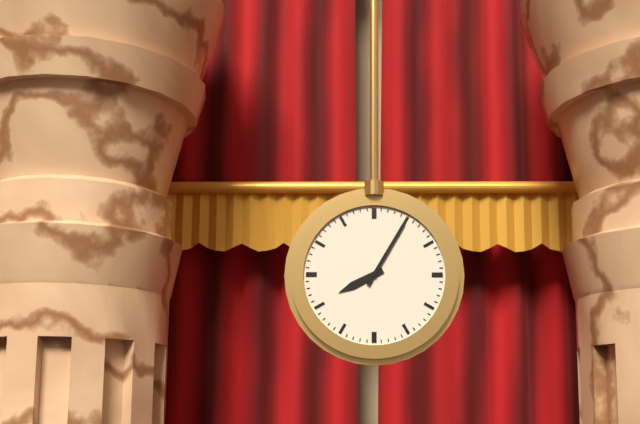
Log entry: 8,05
